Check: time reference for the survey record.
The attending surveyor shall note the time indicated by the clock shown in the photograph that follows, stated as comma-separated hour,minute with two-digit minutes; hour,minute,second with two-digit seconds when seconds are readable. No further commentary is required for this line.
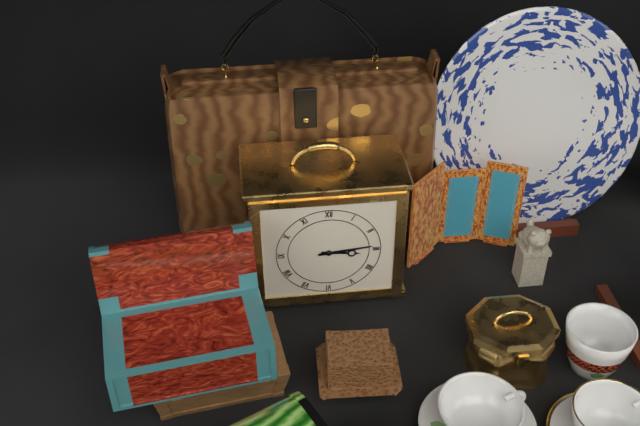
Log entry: 3,14
